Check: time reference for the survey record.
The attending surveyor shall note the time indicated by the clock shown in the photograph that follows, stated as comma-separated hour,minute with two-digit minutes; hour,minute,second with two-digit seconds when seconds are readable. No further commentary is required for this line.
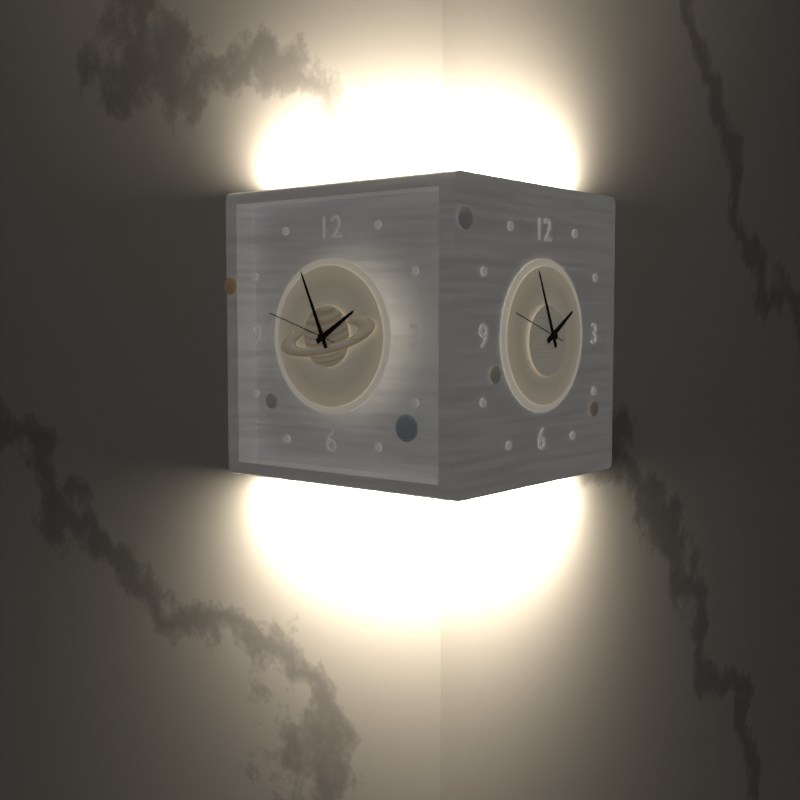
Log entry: 1,56,48
